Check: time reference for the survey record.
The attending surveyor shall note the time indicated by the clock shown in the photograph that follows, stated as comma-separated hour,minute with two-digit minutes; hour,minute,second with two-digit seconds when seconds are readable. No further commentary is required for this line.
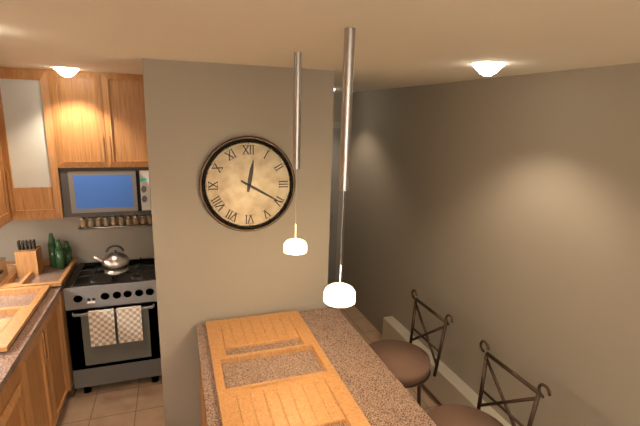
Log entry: 12,20
